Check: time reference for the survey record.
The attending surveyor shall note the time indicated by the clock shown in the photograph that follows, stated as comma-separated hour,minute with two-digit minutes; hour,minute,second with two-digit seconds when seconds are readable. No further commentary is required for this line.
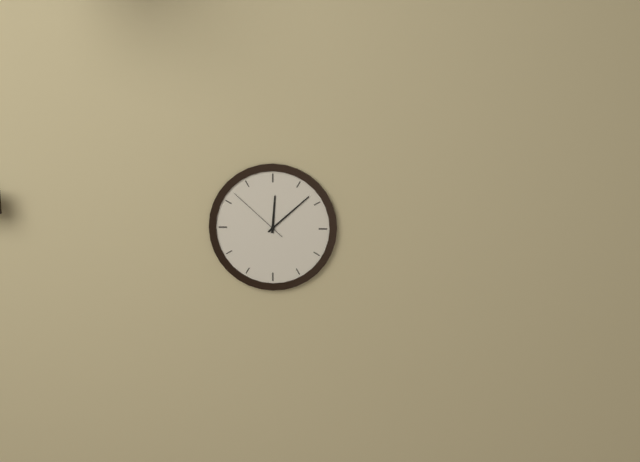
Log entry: 12,08,52
